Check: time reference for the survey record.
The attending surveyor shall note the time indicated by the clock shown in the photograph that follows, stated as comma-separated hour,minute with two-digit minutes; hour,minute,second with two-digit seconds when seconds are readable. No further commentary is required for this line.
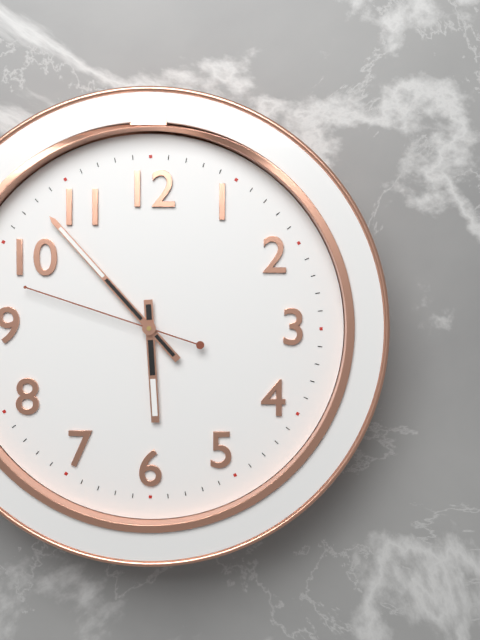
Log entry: 5,53,48
